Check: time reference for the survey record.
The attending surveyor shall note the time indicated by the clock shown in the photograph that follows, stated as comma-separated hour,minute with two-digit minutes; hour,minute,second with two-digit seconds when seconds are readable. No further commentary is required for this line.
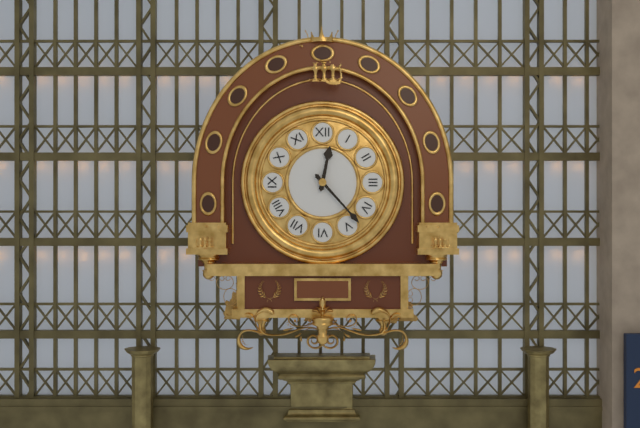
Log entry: 12,23
